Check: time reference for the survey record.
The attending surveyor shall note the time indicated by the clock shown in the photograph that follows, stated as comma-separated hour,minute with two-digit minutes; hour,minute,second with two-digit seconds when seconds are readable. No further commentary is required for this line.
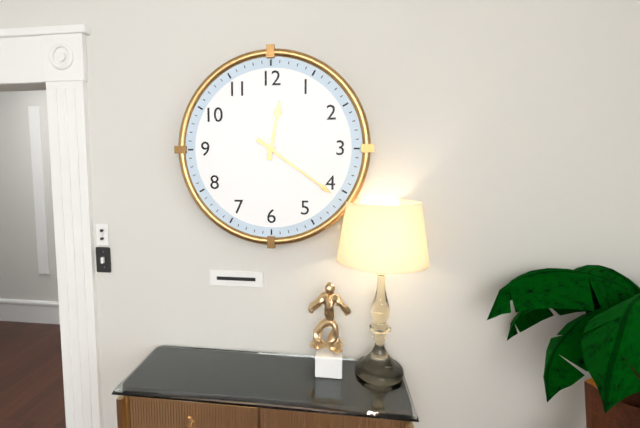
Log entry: 12,21
